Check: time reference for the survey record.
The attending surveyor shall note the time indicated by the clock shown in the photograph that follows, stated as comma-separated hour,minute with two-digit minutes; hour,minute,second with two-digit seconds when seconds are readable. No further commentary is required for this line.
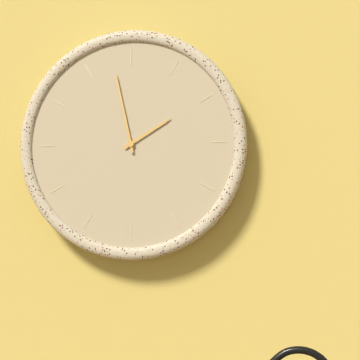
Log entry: 1,58
